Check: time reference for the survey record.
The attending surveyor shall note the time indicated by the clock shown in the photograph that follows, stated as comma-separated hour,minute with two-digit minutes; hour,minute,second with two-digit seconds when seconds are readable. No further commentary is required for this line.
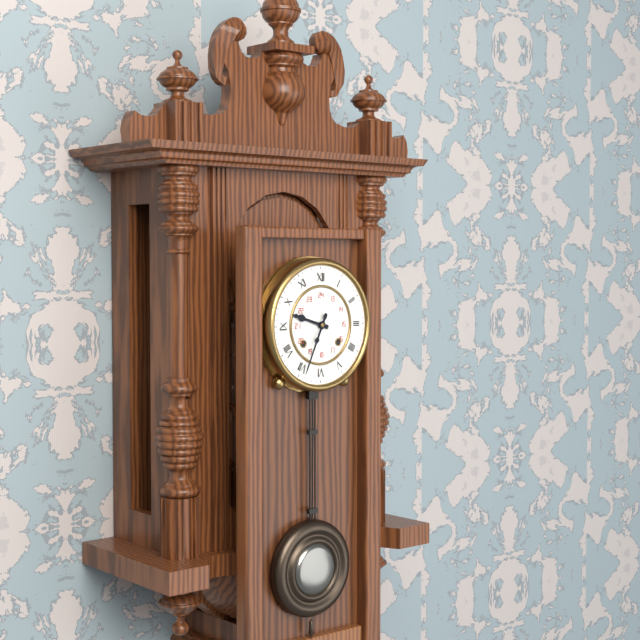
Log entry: 9,34
